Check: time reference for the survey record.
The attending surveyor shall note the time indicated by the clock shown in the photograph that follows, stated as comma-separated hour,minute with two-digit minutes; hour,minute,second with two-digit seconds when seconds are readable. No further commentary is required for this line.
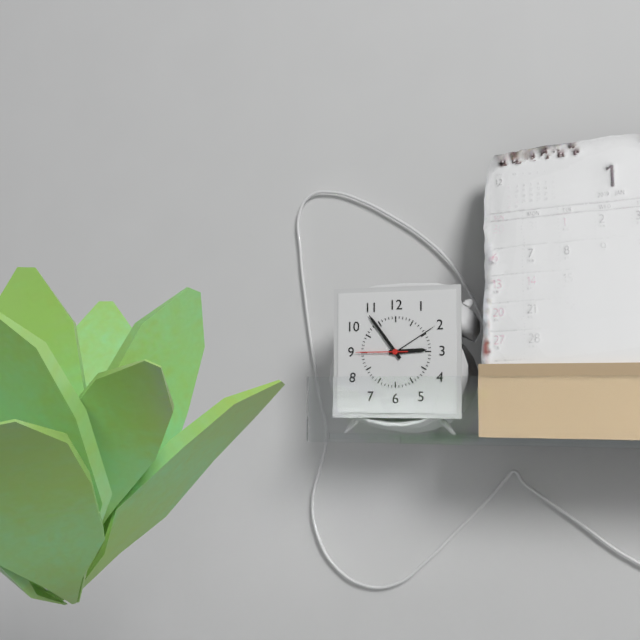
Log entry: 2,54,45
